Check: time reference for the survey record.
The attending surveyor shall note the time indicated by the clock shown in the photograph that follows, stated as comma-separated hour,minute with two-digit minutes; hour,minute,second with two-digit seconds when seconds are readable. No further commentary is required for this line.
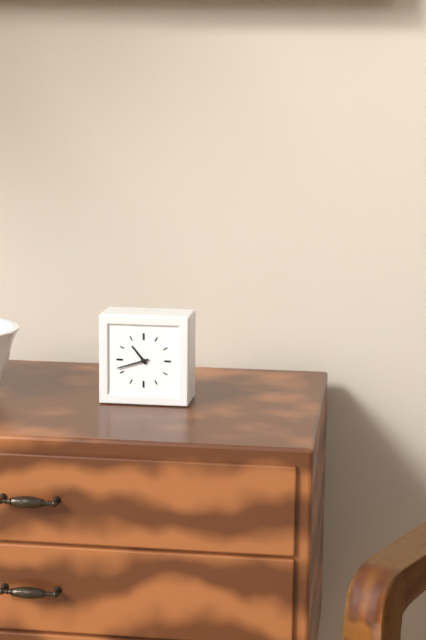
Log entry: 10,42
